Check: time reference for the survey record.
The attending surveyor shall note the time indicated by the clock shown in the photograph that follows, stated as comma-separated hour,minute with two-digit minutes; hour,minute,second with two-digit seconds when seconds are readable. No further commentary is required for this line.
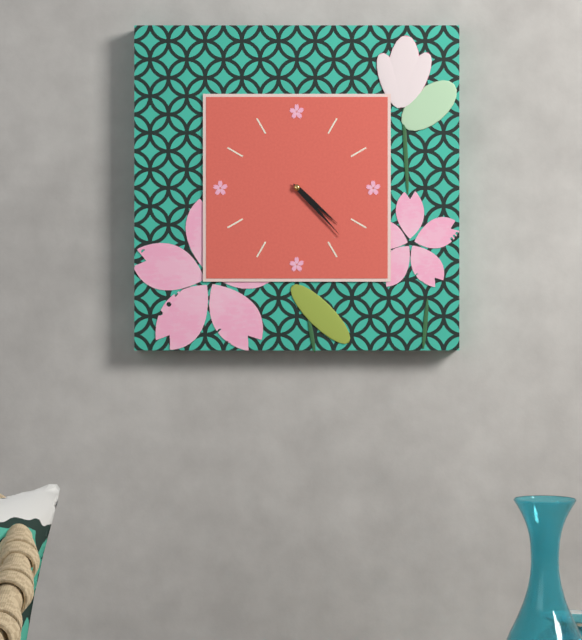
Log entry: 4,23
